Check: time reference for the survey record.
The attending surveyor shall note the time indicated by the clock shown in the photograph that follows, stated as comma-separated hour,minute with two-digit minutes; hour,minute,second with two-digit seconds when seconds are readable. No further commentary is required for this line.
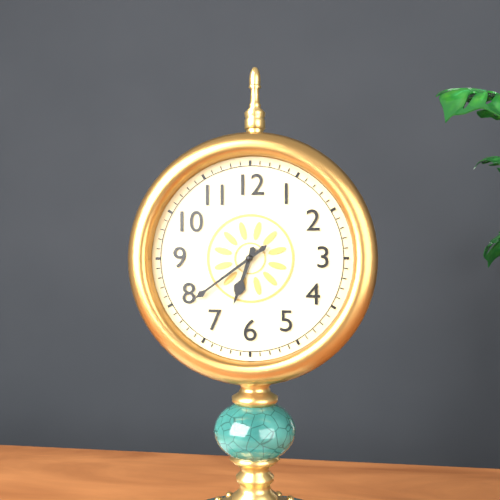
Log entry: 6,39
